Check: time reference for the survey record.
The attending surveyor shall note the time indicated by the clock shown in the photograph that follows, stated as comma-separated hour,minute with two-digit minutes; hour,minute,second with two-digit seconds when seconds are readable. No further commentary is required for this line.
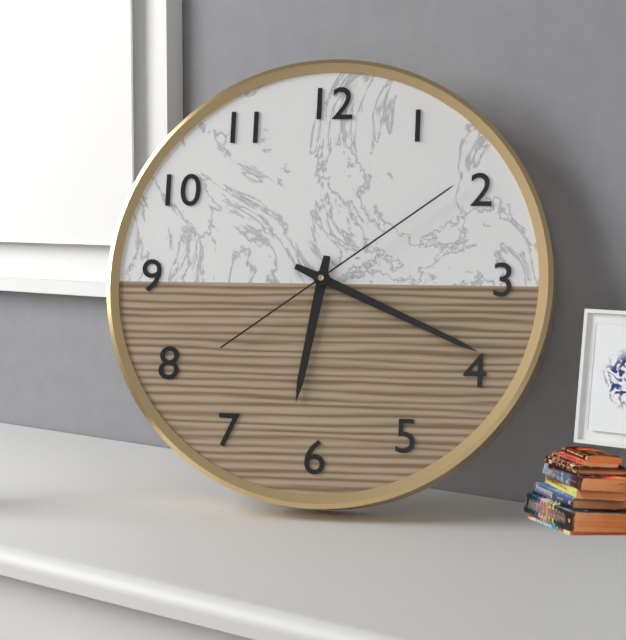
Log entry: 6,19,09
